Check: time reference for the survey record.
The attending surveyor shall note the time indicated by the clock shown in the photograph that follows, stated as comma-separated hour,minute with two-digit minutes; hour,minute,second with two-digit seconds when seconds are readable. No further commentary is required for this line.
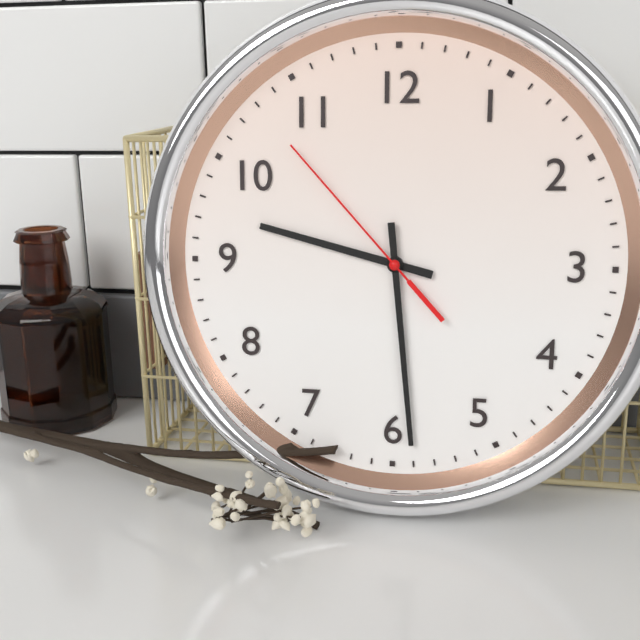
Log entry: 9,29,53
